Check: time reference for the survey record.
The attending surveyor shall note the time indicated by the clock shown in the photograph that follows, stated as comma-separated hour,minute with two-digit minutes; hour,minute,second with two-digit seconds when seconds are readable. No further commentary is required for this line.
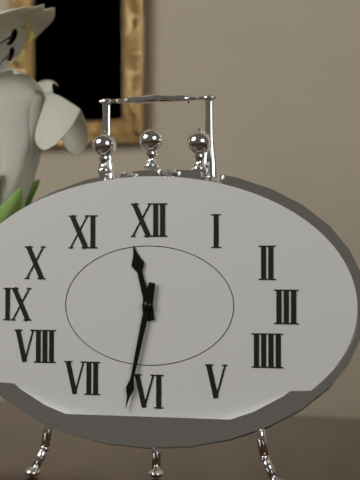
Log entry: 11,32
